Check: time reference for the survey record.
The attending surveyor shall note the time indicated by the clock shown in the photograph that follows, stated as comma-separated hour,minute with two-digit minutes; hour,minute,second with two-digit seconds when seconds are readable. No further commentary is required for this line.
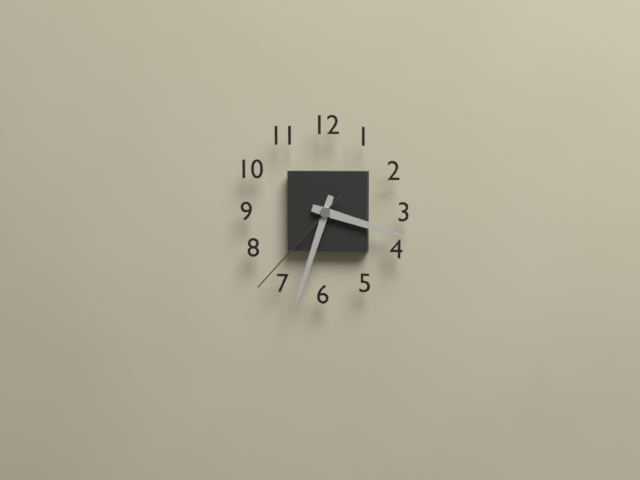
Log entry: 3,33,37
